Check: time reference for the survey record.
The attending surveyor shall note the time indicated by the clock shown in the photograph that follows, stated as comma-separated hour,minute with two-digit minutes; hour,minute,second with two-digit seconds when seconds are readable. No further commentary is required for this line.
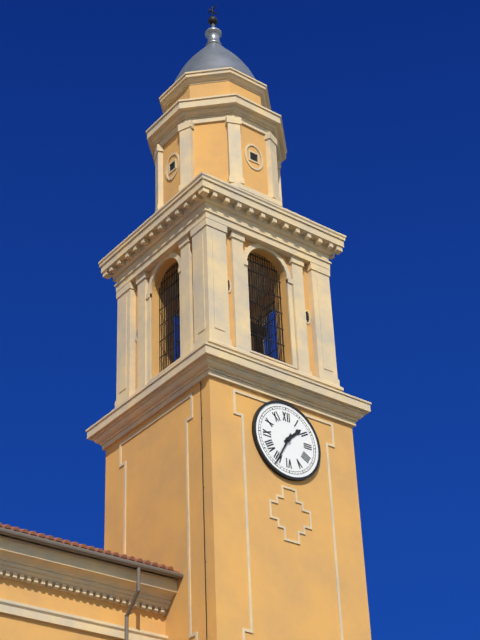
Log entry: 1,35
